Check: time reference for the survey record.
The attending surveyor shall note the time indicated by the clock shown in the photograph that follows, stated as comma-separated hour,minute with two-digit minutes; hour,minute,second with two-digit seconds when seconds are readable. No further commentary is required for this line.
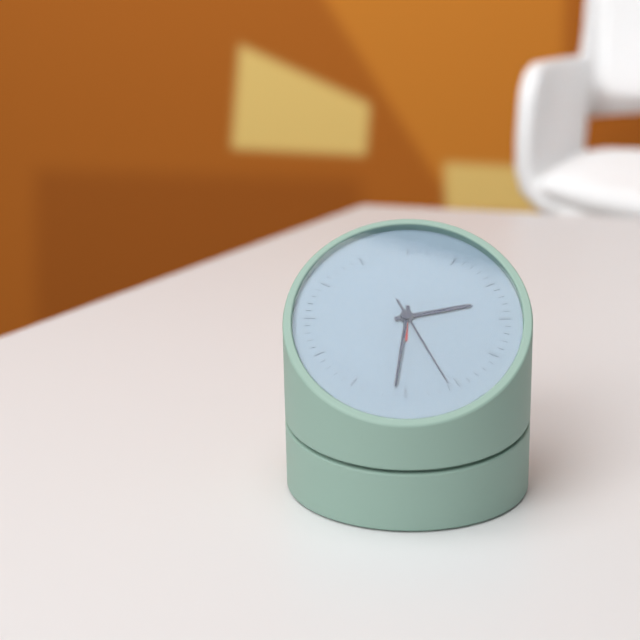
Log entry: 2,31,26
